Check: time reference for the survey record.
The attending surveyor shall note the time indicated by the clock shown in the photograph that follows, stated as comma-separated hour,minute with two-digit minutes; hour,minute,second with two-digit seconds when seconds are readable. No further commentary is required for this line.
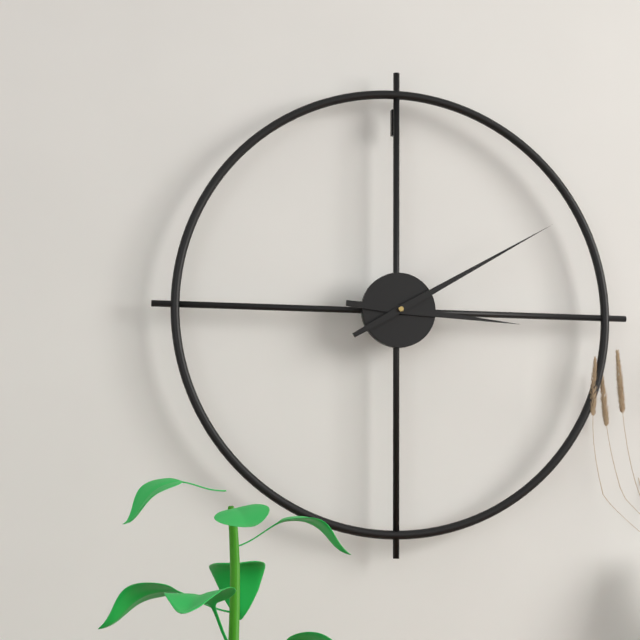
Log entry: 3,10
